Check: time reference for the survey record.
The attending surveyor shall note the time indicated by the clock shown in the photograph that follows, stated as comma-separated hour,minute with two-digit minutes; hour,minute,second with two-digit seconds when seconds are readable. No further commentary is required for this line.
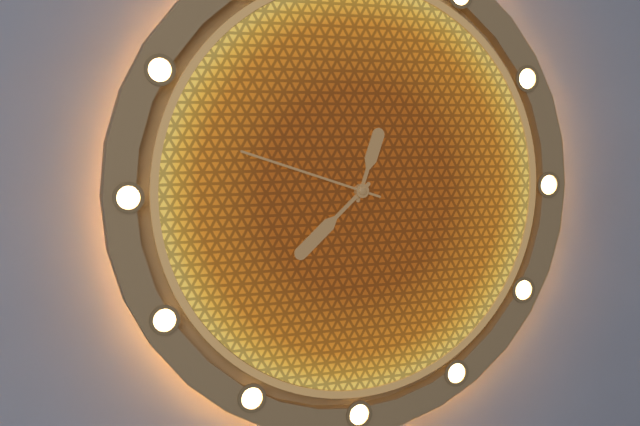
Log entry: 12,38,48
